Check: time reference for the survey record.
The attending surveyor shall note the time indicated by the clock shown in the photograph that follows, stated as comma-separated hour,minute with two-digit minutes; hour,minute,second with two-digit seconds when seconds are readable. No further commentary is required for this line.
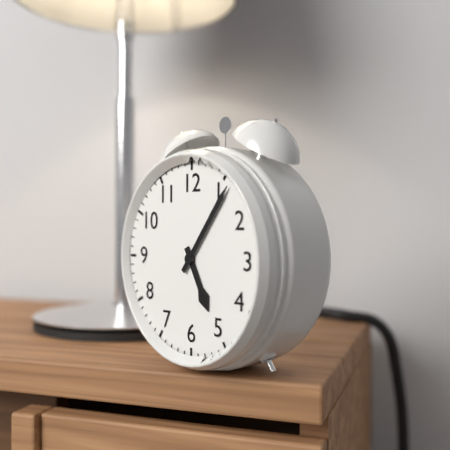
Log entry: 5,06
